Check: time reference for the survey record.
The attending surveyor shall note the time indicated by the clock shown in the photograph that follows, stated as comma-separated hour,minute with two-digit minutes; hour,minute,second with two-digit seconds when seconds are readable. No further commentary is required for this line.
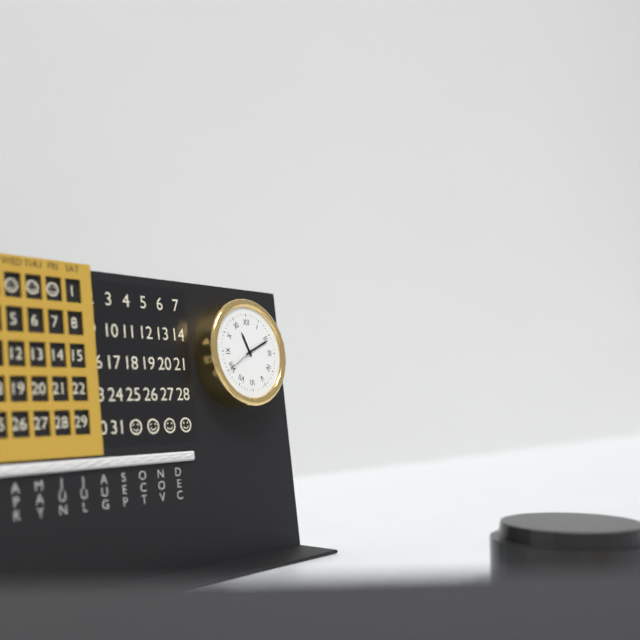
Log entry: 11,11
